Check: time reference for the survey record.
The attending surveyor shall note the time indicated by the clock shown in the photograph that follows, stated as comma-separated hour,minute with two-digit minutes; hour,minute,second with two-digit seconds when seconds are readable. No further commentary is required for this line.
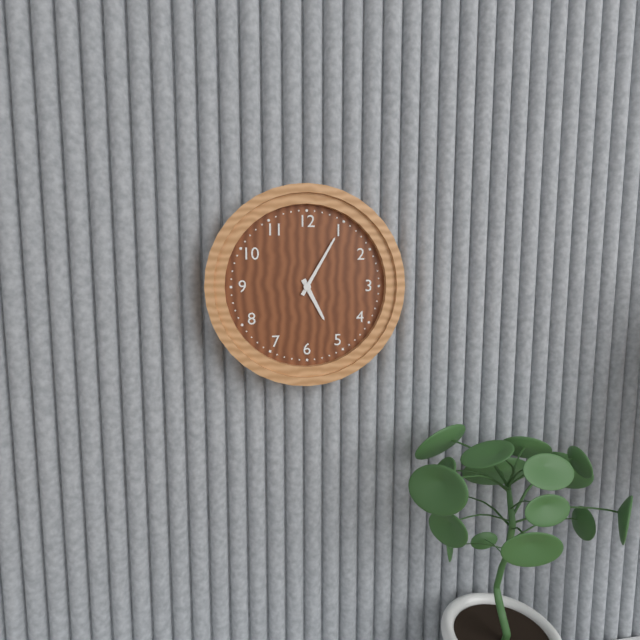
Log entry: 5,05
